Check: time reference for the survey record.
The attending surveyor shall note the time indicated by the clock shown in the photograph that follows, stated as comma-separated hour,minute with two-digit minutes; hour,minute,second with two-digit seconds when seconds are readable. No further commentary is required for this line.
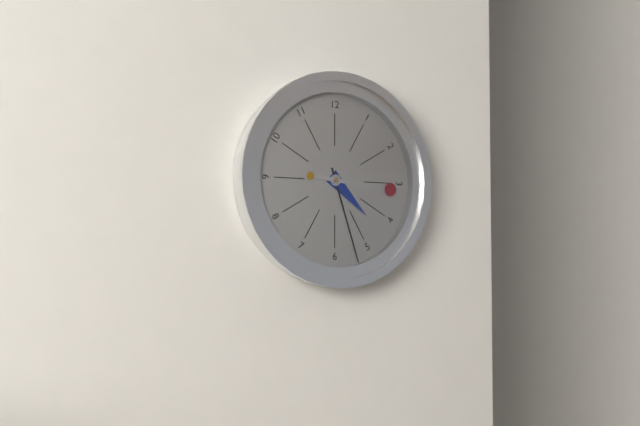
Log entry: 4,27,16
